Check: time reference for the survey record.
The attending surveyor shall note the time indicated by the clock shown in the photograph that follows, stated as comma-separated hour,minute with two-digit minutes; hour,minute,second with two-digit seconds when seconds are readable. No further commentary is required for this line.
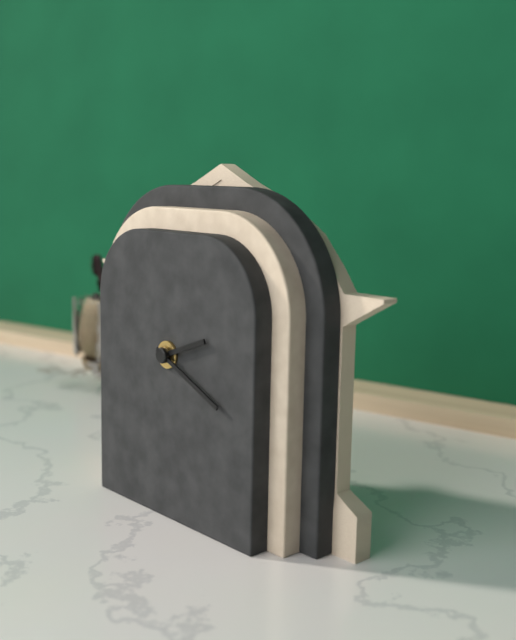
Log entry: 2,19
